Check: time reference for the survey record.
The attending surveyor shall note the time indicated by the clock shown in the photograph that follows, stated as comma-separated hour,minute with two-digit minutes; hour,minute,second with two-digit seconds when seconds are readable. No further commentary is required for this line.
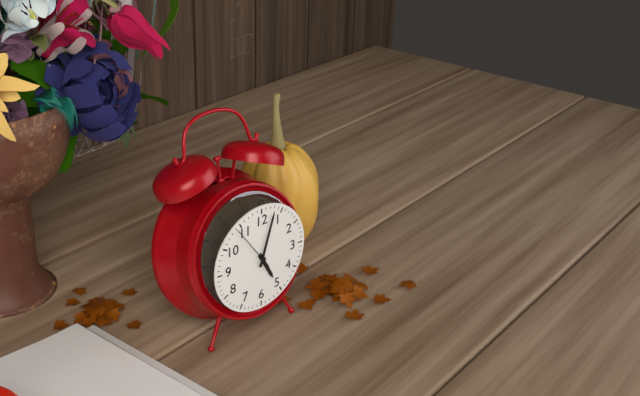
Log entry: 5,03
